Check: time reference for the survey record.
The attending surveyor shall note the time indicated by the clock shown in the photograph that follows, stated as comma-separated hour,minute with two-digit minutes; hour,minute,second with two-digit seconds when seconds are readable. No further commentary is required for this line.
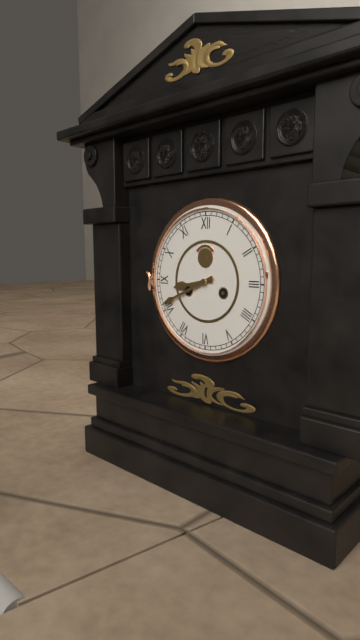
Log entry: 8,41
